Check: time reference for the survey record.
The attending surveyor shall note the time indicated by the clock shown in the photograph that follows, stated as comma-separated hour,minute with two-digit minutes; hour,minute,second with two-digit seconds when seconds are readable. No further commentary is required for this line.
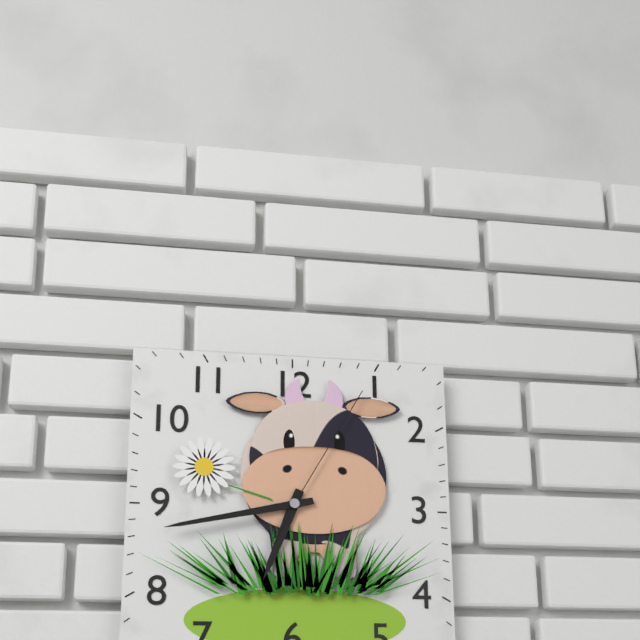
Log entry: 6,43,05
